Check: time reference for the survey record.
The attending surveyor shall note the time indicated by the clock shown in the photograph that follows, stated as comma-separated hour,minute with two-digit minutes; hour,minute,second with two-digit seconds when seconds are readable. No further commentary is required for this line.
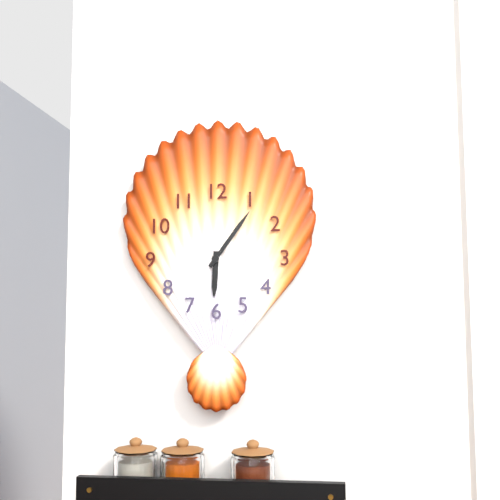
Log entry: 6,06
